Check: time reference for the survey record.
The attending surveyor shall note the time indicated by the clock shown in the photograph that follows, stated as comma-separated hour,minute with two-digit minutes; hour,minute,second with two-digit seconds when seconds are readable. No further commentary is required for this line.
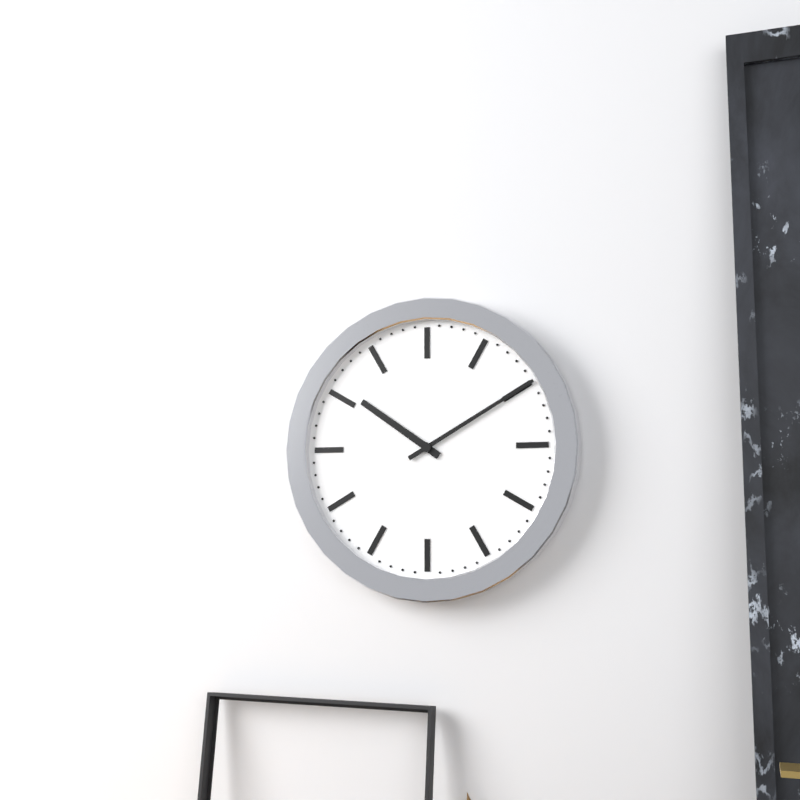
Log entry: 10,10
